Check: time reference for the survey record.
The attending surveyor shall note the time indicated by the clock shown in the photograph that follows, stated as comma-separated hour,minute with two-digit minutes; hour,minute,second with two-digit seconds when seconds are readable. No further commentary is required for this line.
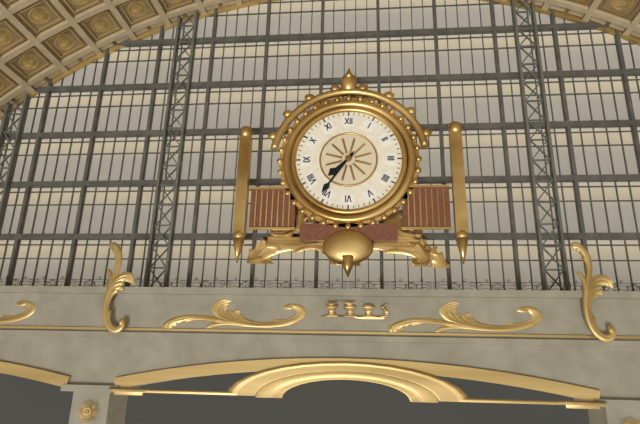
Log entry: 7,36
